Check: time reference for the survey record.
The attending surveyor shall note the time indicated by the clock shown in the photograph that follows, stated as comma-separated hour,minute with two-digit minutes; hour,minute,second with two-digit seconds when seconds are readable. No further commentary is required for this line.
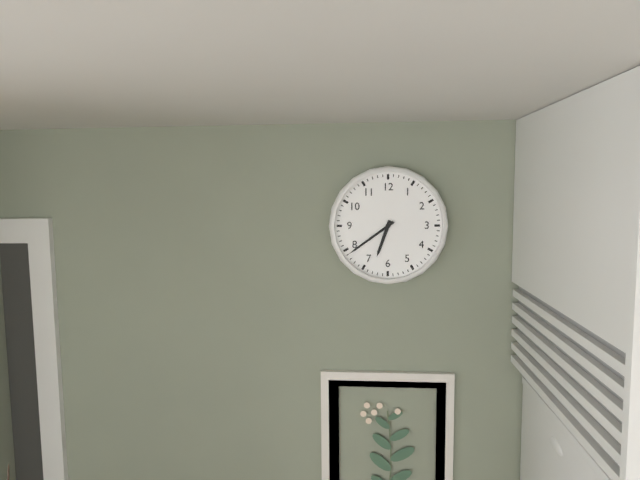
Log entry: 6,39
